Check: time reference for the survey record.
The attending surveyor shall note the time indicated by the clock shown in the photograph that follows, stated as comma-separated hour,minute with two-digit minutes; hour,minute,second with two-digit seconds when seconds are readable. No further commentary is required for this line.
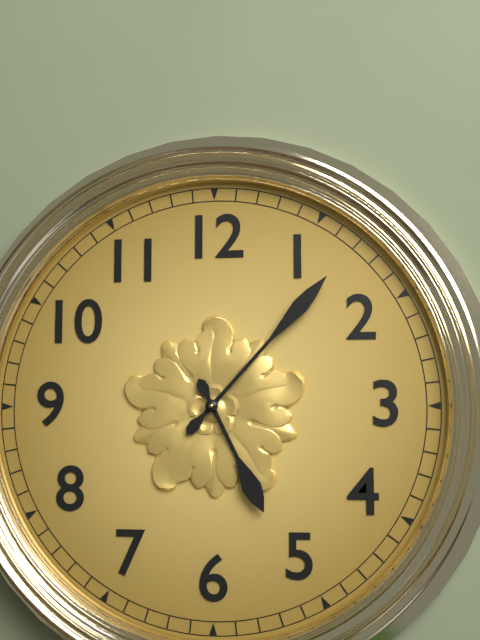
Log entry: 5,07
